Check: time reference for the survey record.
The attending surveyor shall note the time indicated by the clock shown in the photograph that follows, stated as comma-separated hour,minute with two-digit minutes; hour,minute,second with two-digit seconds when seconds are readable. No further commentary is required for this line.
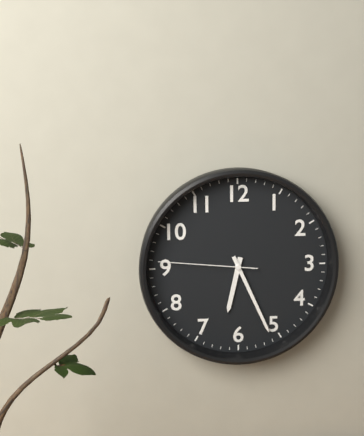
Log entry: 6,26,46
